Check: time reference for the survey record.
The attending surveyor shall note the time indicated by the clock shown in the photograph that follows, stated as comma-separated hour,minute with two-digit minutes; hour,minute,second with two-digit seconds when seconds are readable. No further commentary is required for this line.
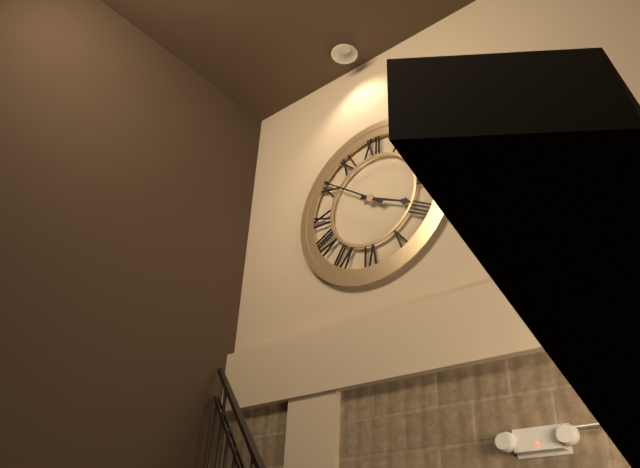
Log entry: 3,51
